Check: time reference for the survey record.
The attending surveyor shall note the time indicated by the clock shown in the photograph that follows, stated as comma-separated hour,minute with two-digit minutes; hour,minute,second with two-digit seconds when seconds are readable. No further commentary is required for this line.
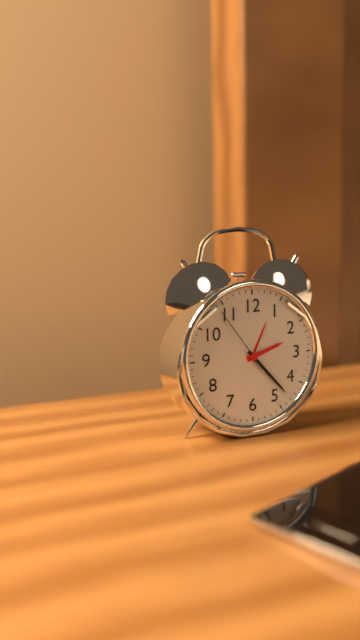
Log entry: 2,23,54
